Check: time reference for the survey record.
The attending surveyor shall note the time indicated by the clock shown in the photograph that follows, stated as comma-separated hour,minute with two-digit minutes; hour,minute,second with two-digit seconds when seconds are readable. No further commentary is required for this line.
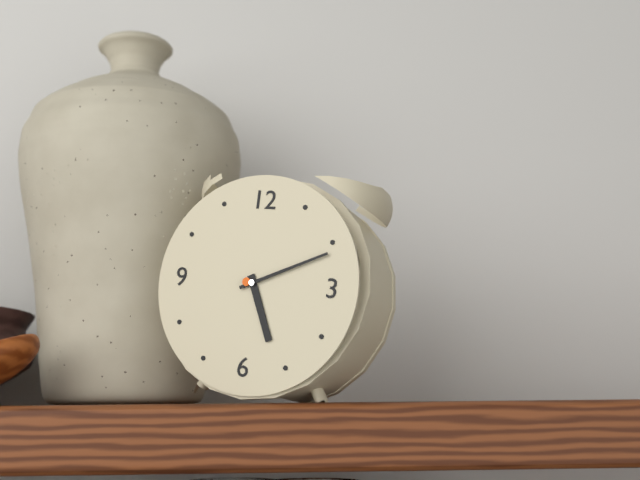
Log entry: 5,11
